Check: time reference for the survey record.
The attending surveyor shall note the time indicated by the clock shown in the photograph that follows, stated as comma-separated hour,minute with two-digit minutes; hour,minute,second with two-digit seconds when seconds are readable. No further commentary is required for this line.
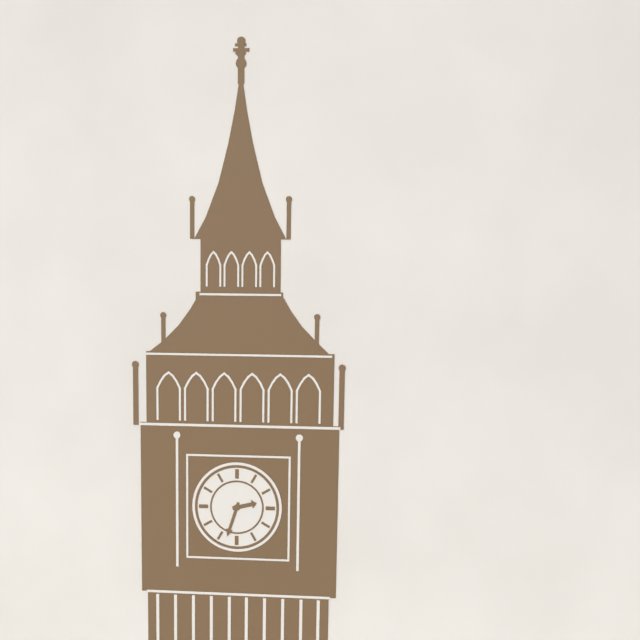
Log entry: 2,33
